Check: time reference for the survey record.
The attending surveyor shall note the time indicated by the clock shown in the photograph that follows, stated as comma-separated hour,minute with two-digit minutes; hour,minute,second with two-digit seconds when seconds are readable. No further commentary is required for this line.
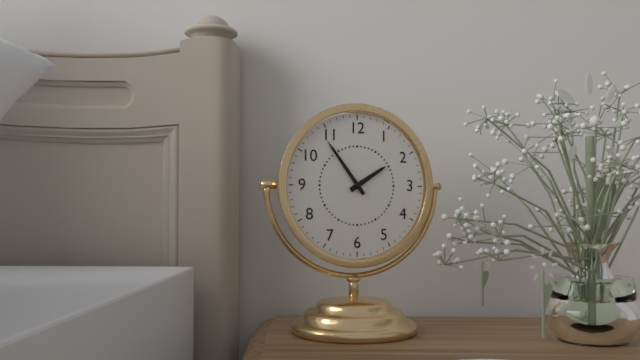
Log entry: 1,54
